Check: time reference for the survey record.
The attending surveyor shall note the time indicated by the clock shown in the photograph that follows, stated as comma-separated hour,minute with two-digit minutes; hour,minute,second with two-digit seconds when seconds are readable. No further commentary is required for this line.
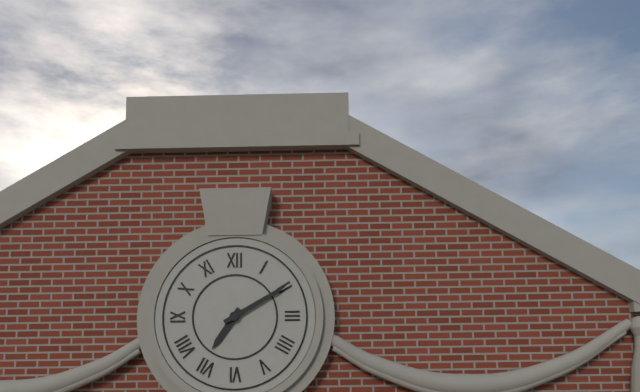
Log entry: 7,10
